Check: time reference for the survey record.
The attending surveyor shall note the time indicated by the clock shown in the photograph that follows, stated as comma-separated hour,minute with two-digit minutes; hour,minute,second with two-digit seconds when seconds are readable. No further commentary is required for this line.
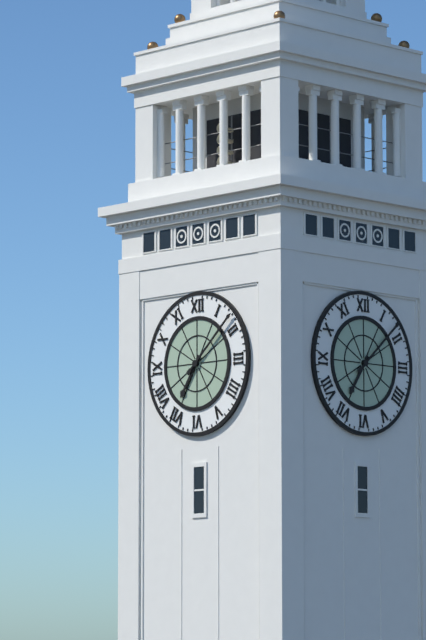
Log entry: 7,08
